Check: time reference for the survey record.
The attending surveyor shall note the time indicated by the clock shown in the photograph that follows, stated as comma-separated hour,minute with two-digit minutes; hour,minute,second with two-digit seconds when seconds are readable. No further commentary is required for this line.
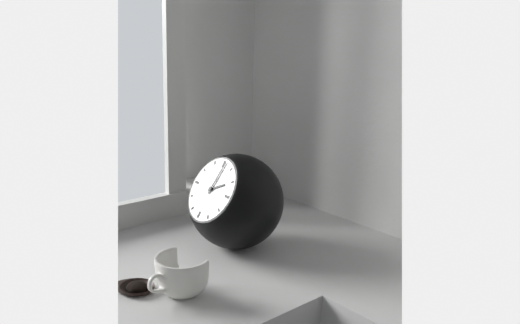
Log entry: 2,01
